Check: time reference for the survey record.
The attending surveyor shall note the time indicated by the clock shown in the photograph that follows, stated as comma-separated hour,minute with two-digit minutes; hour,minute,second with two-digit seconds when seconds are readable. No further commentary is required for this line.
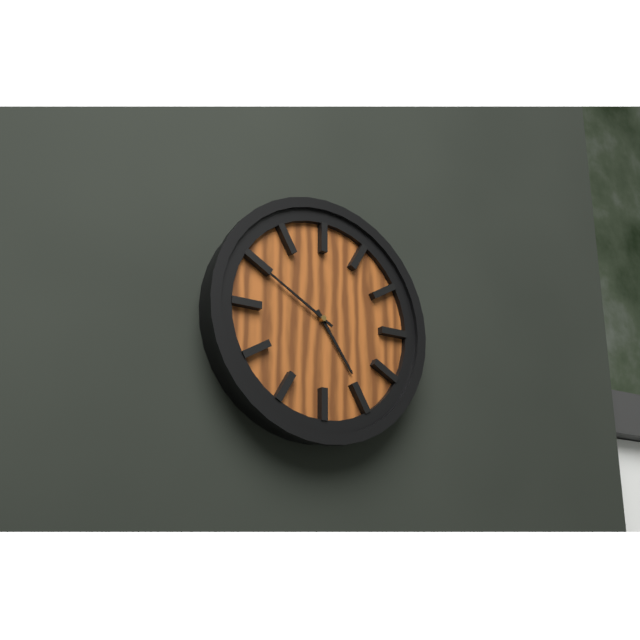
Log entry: 4,50
